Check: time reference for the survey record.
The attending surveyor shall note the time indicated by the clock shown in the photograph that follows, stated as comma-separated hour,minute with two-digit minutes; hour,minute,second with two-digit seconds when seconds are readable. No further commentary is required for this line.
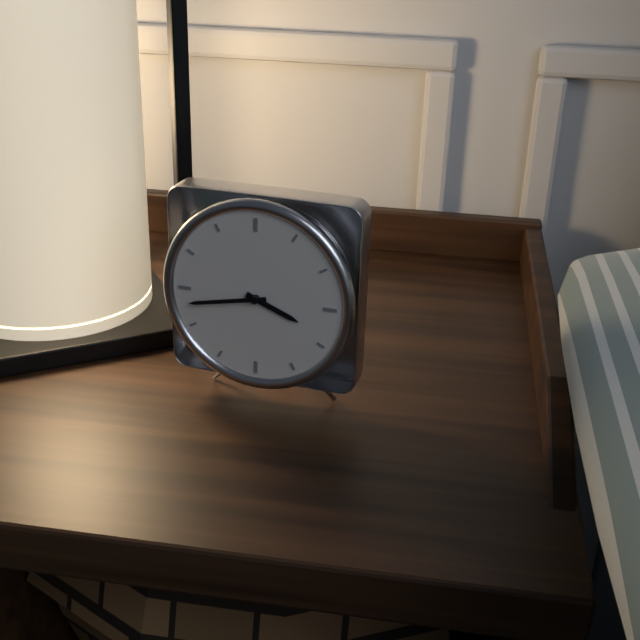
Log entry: 3,43
